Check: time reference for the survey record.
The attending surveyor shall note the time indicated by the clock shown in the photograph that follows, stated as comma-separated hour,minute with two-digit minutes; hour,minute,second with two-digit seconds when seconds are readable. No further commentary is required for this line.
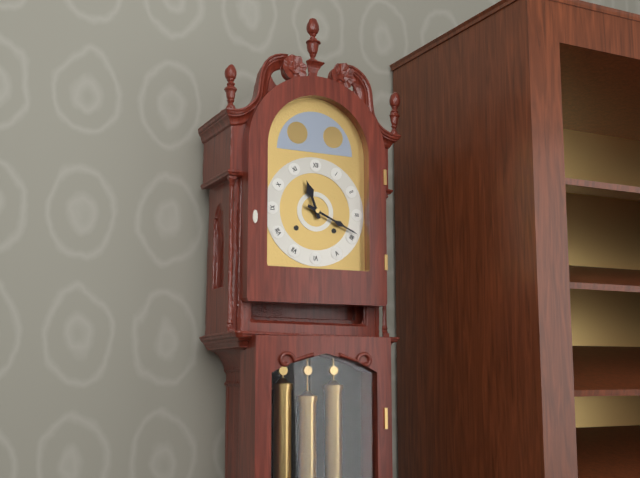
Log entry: 11,19
